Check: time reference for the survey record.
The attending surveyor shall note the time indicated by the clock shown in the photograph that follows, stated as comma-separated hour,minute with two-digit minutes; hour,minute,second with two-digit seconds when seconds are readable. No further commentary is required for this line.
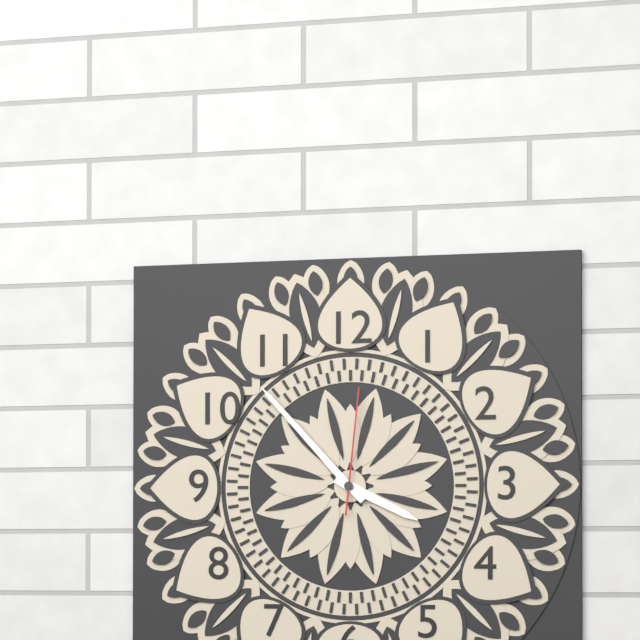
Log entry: 3,53,01
